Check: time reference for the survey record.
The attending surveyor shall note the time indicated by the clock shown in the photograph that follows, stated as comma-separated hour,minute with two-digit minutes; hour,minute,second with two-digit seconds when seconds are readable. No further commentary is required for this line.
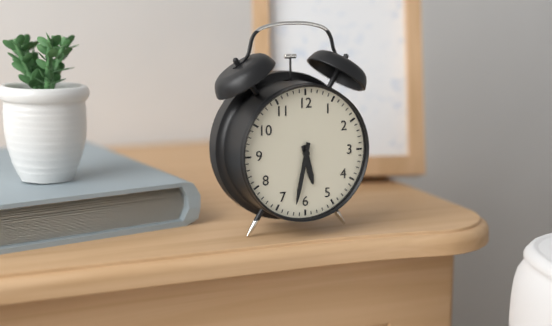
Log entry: 5,32
